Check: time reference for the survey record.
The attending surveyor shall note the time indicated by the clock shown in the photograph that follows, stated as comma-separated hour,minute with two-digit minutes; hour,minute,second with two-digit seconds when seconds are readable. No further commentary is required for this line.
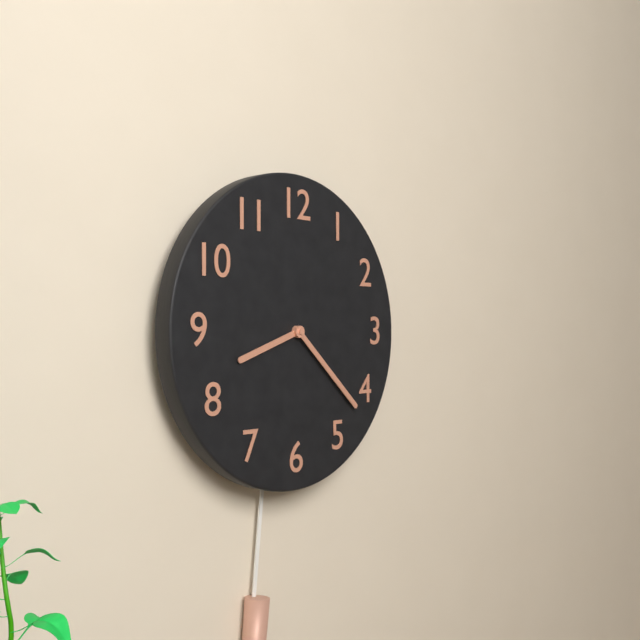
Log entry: 8,22
